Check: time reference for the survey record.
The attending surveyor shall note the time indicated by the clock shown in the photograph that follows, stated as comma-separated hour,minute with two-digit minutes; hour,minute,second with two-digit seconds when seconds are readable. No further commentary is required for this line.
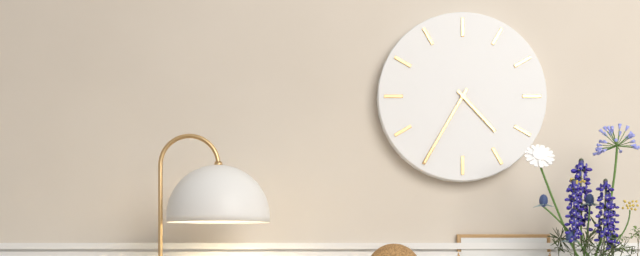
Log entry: 4,35
